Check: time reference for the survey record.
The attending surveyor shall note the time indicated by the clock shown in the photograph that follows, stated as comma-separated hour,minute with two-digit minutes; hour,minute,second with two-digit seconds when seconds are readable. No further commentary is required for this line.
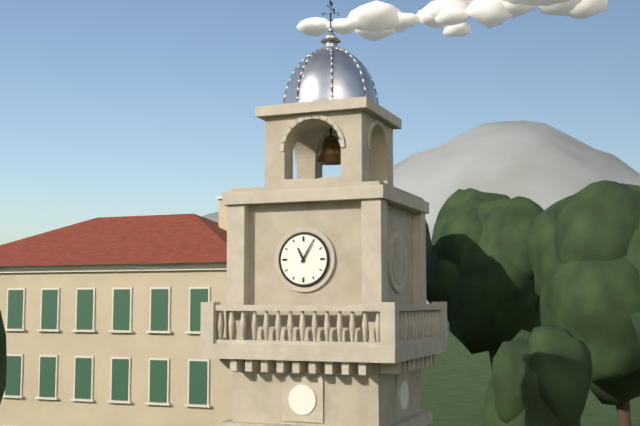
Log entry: 11,05
